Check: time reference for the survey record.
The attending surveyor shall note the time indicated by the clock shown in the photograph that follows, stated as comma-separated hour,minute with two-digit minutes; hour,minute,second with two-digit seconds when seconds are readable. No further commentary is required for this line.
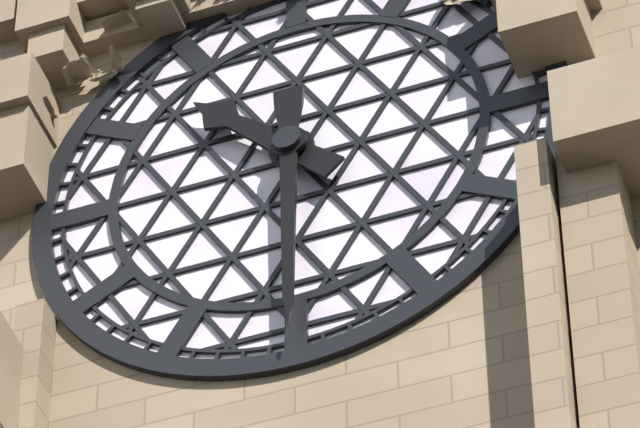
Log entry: 10,30
